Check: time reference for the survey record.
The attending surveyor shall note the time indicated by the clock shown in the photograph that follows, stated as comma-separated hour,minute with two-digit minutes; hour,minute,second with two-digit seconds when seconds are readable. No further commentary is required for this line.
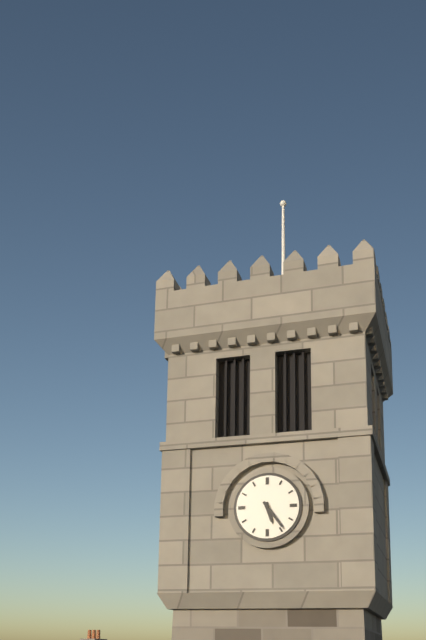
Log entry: 5,24
